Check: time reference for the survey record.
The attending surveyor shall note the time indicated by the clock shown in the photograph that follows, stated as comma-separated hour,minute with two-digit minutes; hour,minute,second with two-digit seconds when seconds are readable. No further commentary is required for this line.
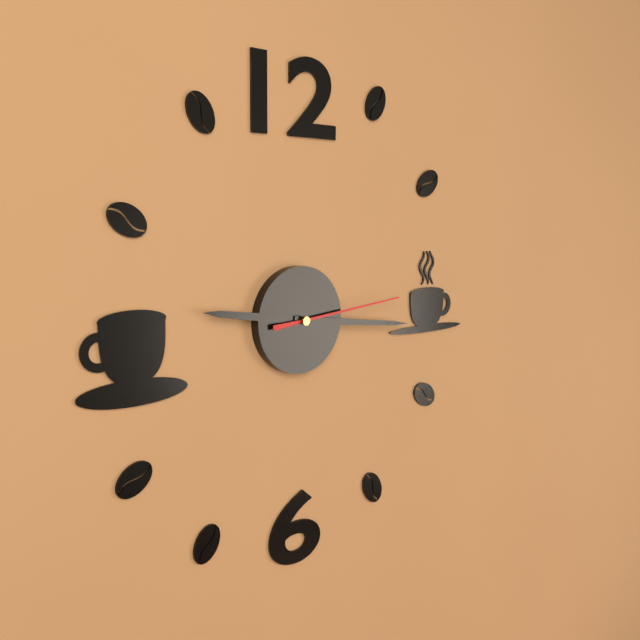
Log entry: 9,16,14
